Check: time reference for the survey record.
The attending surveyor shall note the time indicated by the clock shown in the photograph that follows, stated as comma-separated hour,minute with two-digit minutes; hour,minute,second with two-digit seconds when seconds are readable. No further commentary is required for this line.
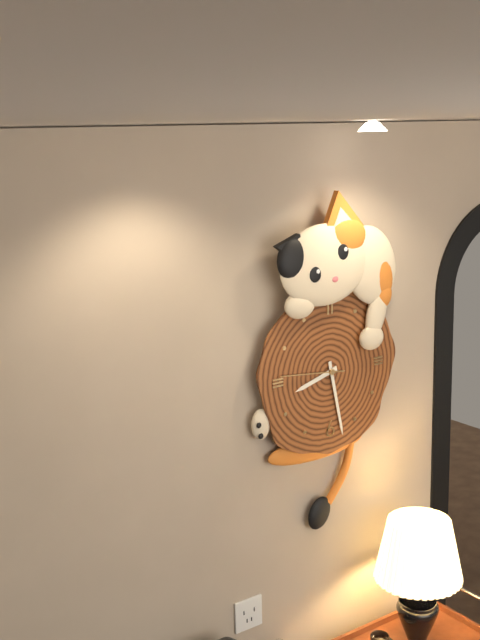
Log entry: 8,28,46
